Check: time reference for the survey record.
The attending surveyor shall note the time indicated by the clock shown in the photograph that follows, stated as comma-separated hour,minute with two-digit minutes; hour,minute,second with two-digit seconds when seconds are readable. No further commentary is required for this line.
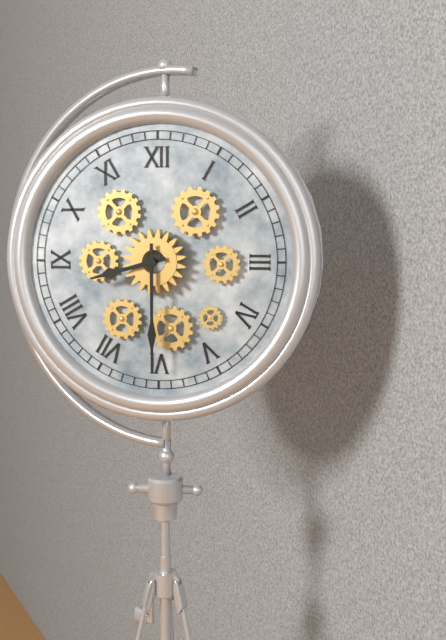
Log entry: 8,30
